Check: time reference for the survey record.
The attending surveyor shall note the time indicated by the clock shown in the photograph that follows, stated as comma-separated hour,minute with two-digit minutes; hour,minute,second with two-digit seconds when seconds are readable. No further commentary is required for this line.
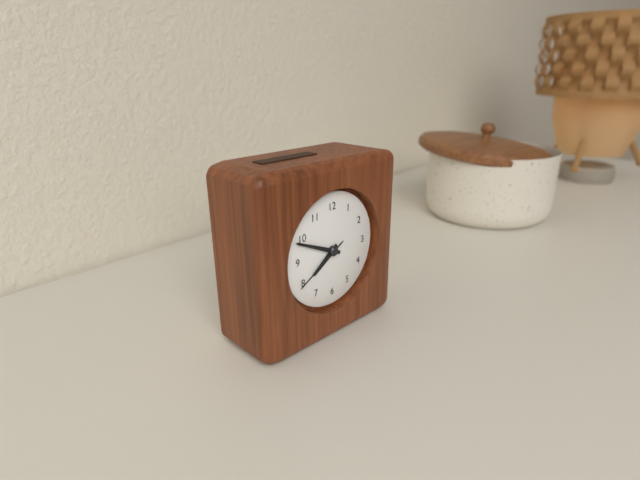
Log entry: 7,49,40
